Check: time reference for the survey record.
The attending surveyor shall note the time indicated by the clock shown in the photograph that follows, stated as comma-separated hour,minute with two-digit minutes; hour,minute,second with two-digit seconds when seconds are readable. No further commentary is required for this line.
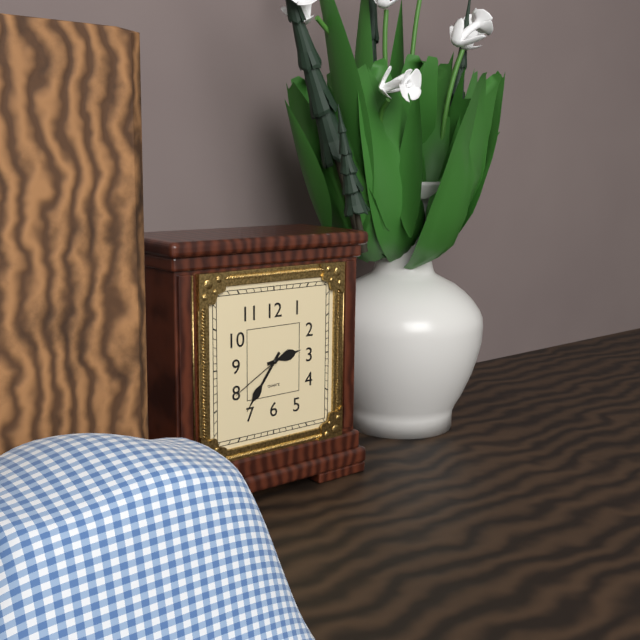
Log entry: 2,36,40
